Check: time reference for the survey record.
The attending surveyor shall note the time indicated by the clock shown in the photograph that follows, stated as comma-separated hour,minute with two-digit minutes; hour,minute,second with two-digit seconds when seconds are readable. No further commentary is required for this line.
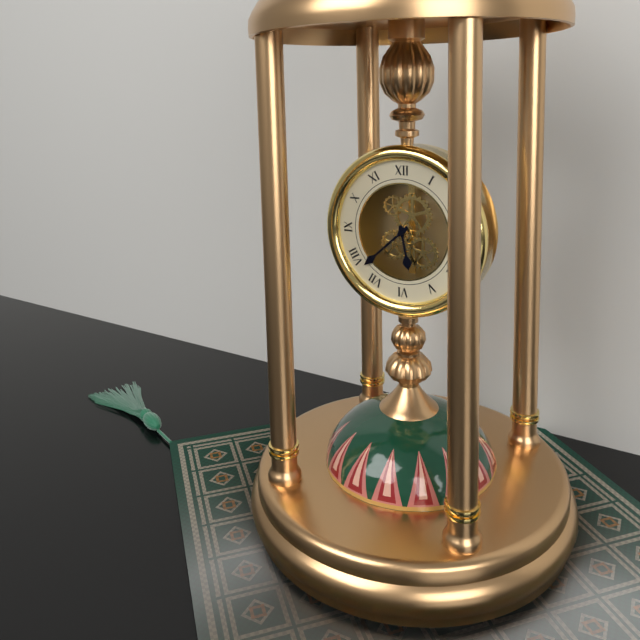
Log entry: 5,38
